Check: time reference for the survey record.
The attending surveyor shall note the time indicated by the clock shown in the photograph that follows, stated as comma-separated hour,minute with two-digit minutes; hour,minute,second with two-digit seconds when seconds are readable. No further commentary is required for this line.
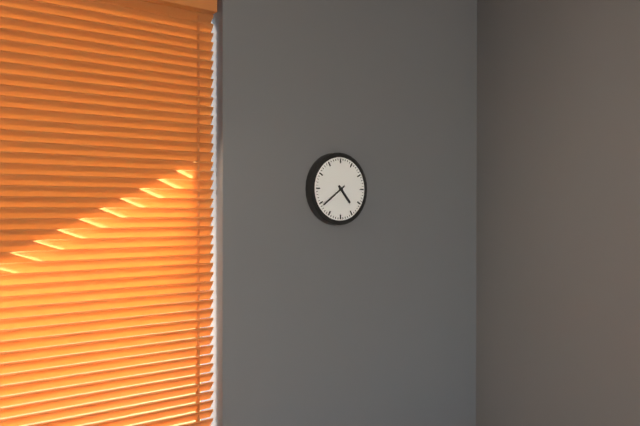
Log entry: 4,39
